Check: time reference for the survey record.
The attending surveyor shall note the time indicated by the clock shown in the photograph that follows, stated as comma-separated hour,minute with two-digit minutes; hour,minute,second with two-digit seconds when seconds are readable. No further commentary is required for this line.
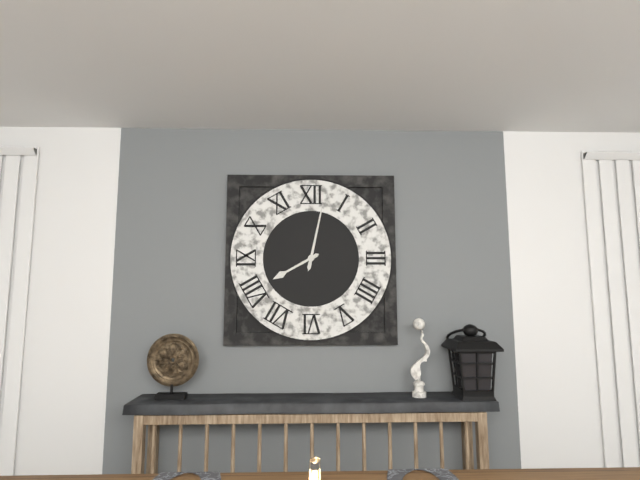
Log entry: 8,02
